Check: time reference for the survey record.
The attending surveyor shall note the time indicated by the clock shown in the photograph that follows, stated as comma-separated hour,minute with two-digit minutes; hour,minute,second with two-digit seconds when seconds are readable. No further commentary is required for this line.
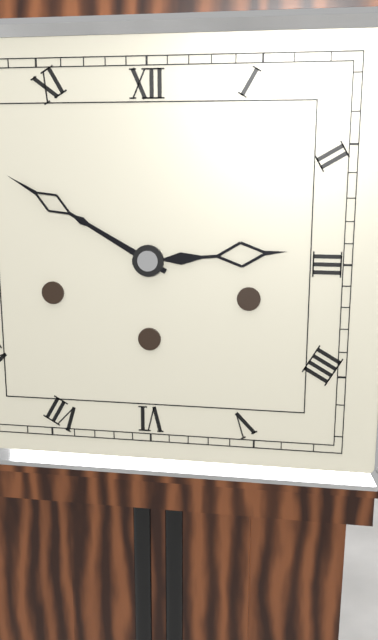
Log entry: 2,50
